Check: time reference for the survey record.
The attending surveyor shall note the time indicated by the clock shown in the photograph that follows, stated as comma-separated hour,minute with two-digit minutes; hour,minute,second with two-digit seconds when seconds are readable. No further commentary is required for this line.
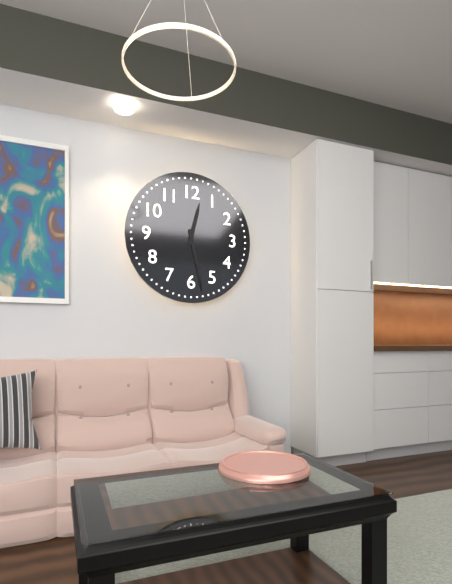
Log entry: 12,28
